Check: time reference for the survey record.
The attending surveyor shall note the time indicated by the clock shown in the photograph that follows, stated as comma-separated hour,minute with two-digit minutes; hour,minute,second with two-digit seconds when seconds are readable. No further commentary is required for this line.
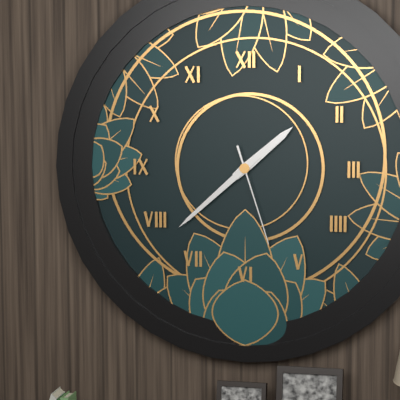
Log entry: 1,38,27
